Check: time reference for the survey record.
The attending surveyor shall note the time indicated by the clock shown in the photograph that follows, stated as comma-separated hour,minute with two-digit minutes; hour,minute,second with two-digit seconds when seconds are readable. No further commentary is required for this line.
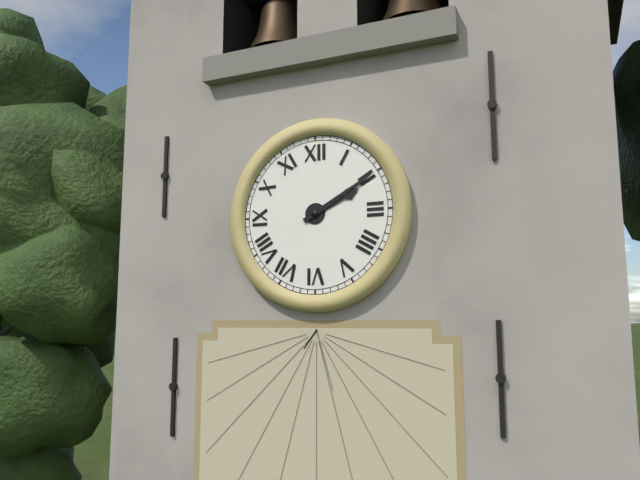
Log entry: 2,10
